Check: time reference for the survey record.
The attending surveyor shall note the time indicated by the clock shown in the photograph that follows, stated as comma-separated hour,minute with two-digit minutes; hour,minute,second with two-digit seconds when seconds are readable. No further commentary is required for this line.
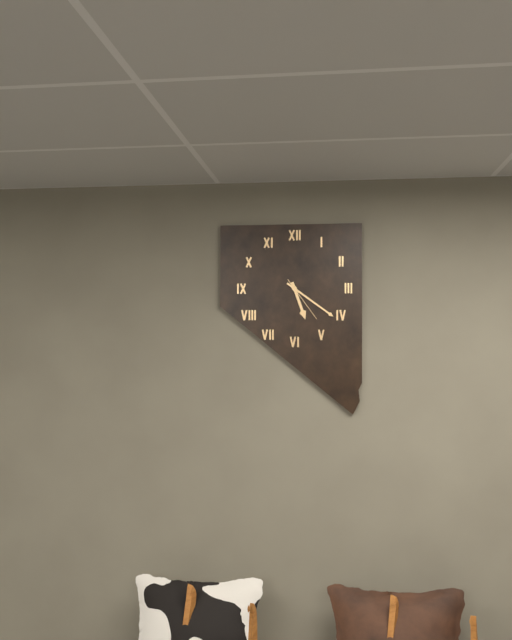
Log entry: 5,21
